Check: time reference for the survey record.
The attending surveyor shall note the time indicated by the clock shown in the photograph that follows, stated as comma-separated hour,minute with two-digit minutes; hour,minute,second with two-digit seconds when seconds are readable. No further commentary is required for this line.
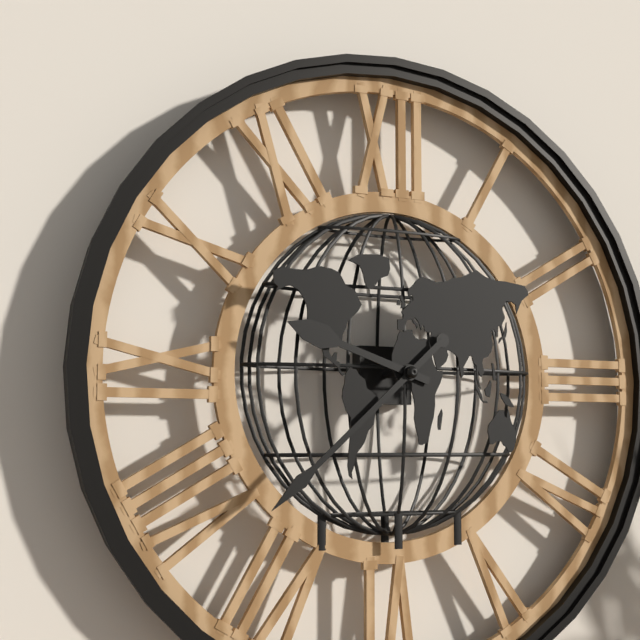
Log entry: 9,38
